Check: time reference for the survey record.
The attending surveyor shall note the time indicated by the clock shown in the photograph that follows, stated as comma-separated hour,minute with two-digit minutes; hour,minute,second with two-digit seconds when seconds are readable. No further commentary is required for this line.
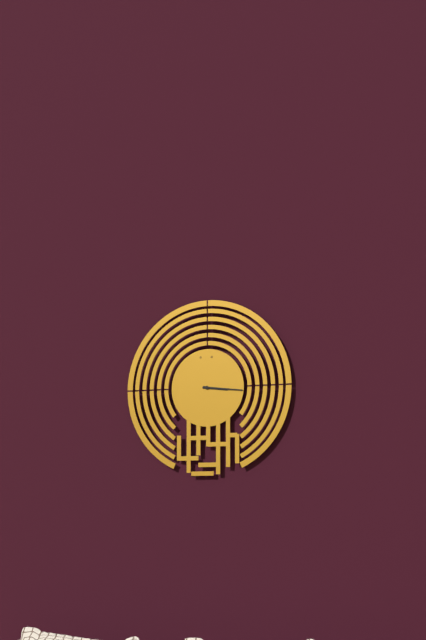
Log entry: 3,16
